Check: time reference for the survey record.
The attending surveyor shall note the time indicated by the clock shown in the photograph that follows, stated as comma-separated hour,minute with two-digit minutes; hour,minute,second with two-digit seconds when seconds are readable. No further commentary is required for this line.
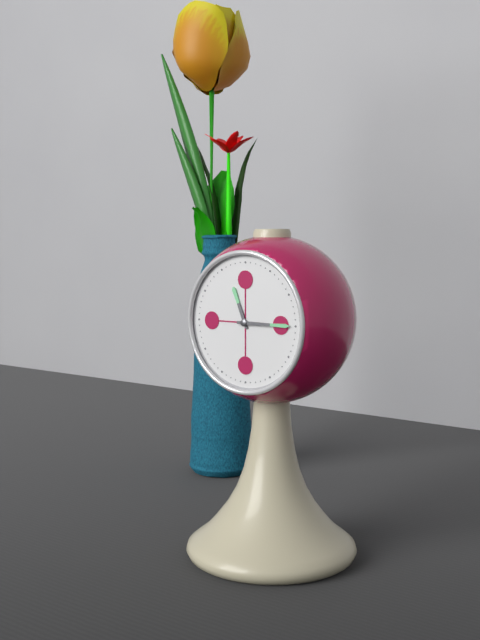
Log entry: 11,15
